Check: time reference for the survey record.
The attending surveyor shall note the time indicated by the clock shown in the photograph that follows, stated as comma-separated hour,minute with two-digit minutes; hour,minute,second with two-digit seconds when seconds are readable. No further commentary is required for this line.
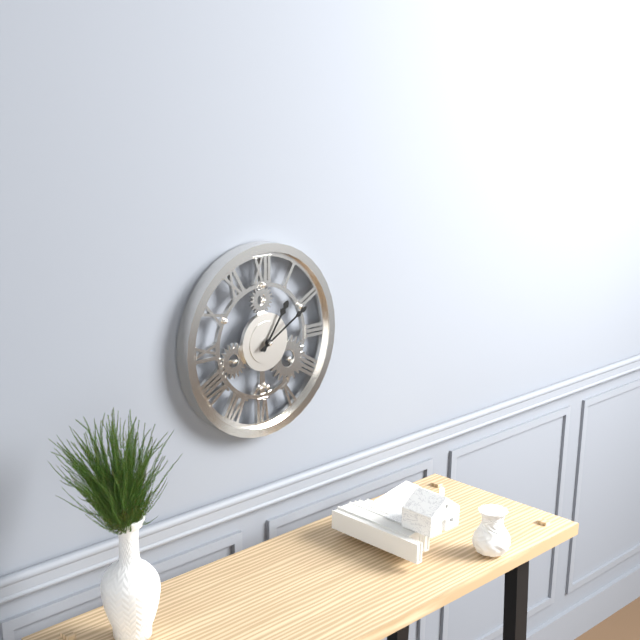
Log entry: 1,10
